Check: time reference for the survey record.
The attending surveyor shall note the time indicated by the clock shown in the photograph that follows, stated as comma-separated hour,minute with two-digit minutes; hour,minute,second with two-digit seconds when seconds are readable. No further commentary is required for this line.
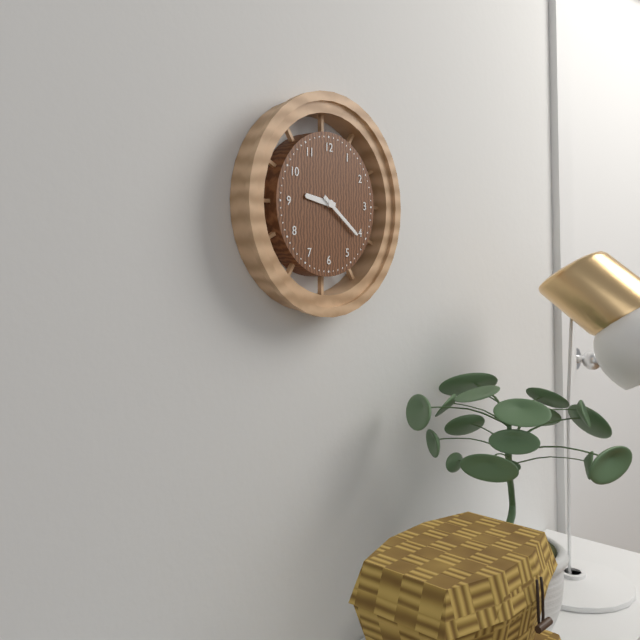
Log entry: 9,21
